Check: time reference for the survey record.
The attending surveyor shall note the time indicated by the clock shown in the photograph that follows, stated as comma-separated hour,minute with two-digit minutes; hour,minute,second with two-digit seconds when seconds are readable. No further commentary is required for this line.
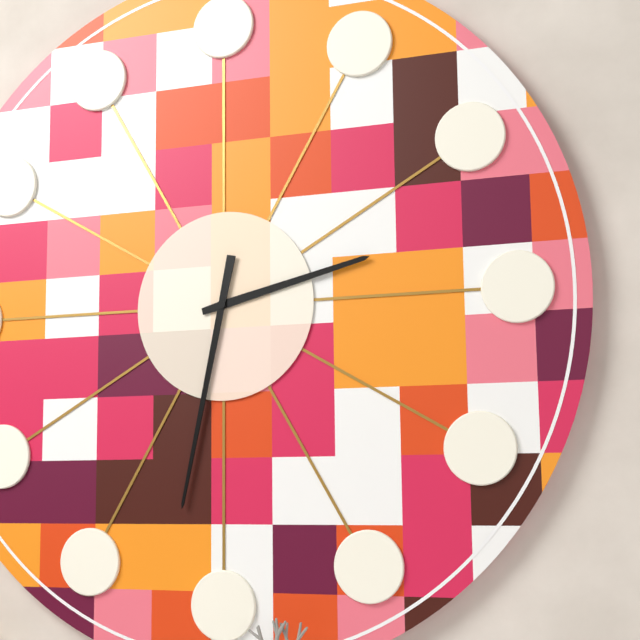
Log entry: 2,32
